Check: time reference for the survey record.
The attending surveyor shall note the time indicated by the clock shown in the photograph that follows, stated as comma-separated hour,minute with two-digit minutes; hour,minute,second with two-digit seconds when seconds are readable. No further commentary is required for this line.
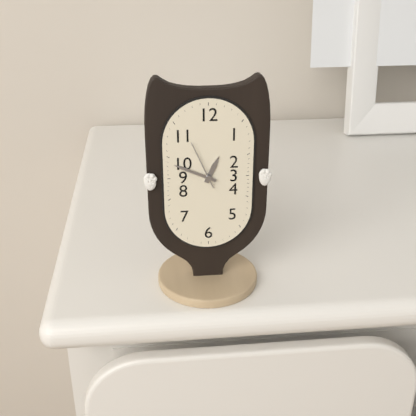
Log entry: 12,49
